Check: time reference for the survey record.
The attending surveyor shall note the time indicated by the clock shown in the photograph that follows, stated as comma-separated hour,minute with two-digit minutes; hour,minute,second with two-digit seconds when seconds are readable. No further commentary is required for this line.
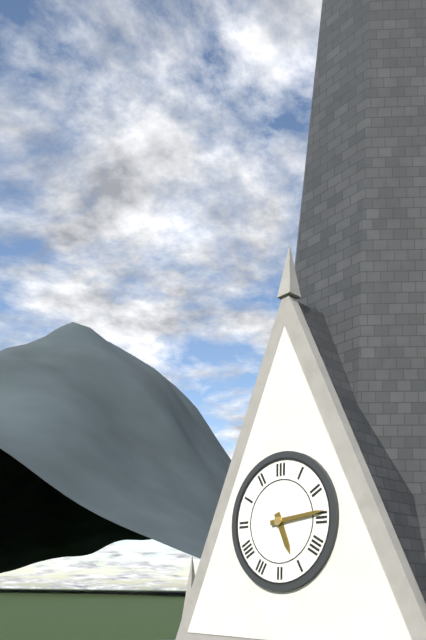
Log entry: 5,14
